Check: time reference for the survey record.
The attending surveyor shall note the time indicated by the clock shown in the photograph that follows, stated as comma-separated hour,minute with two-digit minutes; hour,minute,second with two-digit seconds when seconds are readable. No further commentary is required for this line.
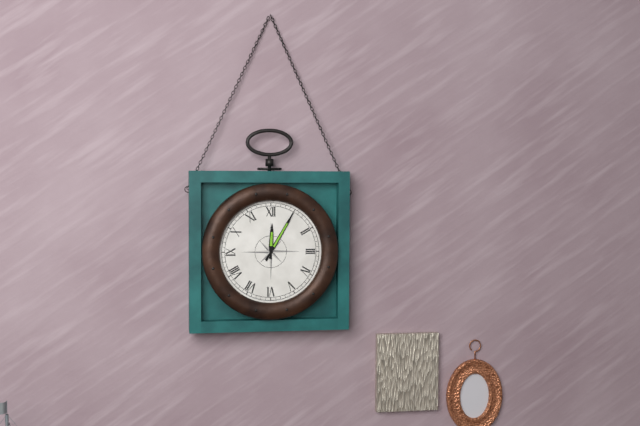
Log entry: 12,05
